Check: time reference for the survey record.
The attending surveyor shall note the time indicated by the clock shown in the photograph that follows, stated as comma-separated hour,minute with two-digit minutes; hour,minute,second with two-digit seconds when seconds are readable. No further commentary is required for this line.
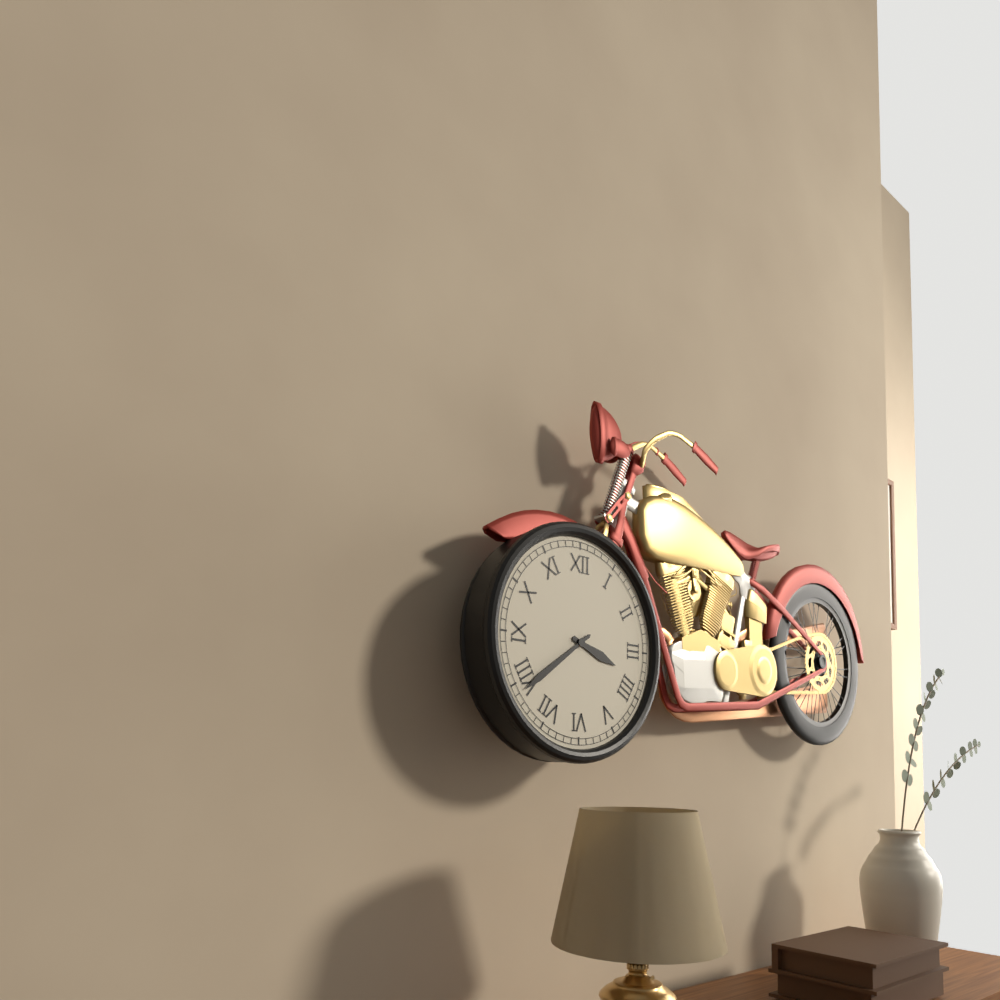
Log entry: 3,39
